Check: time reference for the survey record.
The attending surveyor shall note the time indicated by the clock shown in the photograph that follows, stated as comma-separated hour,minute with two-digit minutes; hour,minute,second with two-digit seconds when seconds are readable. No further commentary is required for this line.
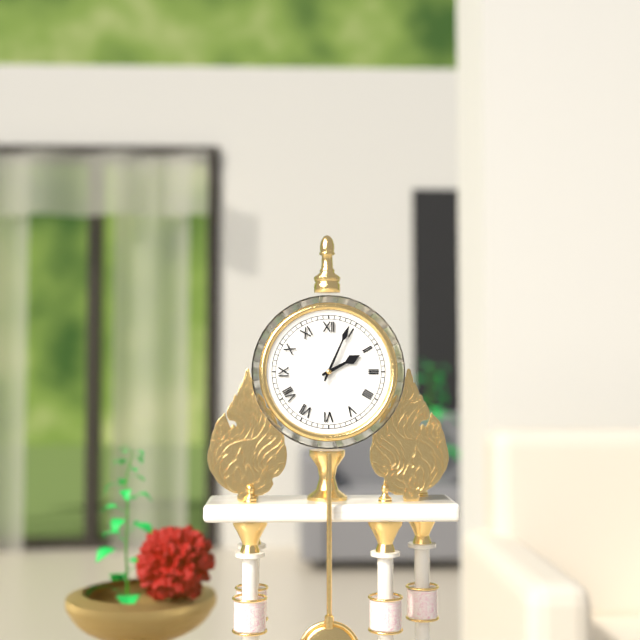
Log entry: 2,04
